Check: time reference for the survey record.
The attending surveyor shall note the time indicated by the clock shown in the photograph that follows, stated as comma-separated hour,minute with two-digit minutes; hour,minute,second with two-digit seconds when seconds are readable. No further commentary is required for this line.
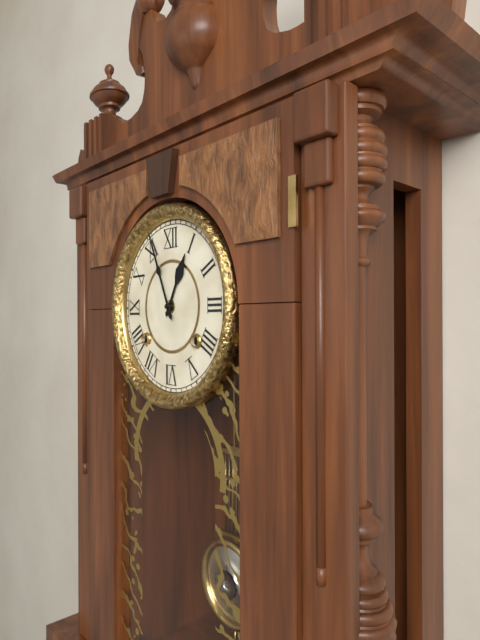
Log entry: 12,56
